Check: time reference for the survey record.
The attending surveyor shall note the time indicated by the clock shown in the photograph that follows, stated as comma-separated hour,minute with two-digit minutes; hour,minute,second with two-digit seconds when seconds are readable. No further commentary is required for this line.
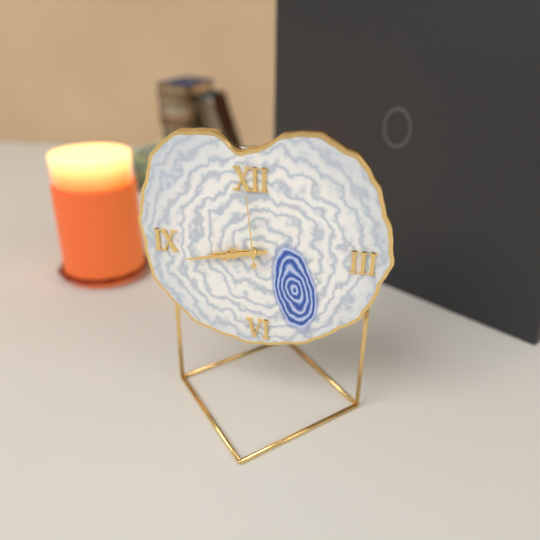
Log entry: 8,43,59
